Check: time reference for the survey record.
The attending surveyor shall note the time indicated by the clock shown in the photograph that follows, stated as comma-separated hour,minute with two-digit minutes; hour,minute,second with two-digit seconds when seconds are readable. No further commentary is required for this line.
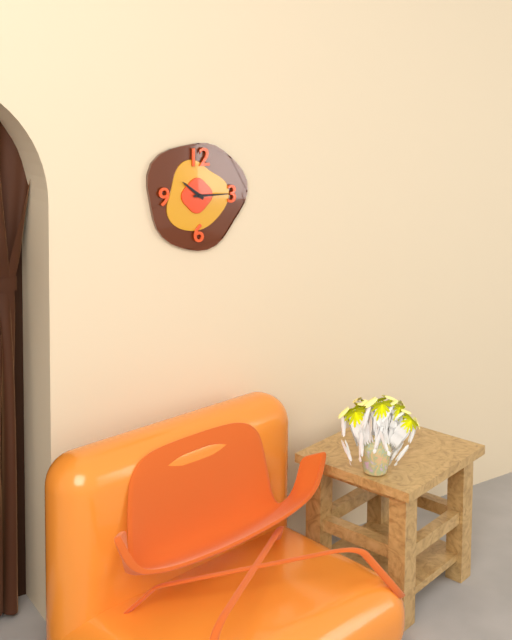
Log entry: 10,15
